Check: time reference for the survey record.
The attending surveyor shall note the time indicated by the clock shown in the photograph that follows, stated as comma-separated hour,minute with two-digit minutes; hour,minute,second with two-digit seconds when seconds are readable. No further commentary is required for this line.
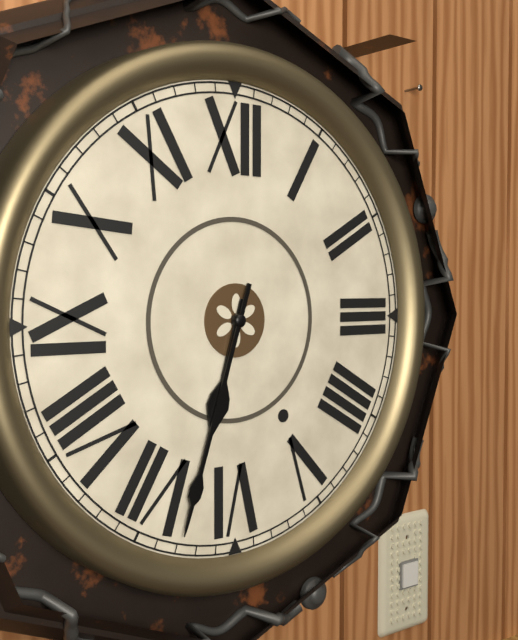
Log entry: 6,33
